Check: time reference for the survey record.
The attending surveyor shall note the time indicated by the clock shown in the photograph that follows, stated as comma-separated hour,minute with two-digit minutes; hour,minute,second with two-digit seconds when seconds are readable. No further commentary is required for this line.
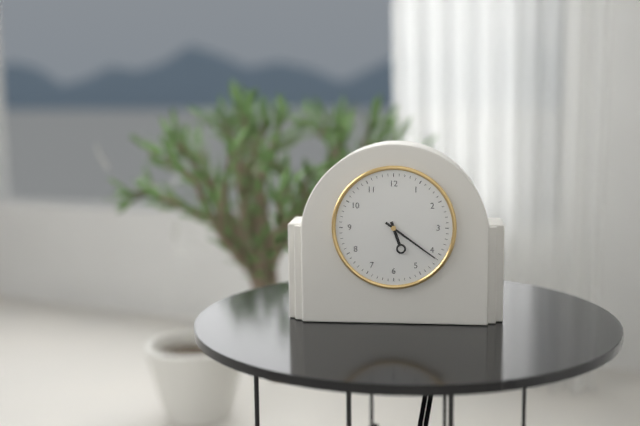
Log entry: 5,21
